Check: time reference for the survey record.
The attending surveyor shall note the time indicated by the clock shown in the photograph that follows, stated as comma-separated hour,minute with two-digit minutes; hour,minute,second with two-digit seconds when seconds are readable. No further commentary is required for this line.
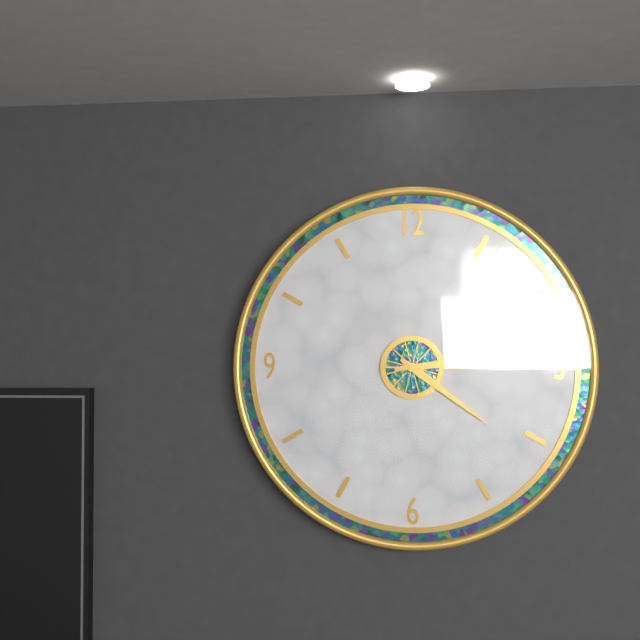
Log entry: 4,14,15
